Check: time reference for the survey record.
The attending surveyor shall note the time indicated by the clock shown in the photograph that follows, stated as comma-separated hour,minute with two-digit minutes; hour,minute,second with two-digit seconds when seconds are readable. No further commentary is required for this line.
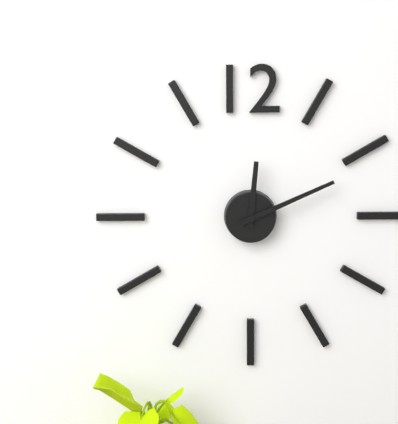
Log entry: 12,11
